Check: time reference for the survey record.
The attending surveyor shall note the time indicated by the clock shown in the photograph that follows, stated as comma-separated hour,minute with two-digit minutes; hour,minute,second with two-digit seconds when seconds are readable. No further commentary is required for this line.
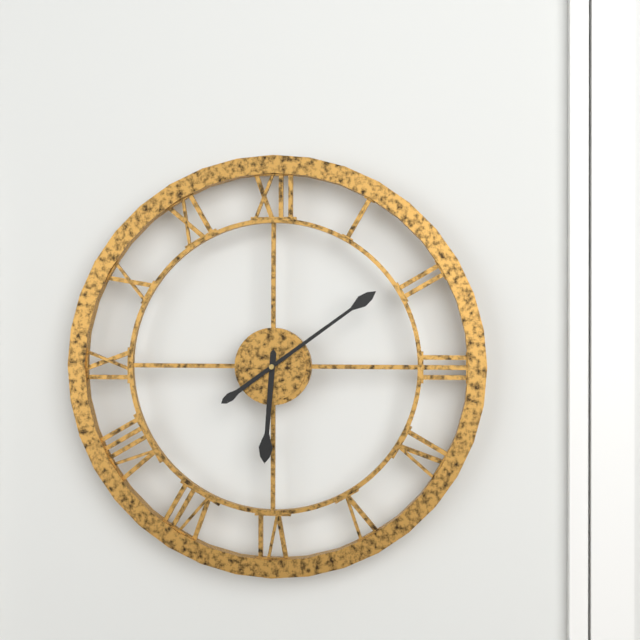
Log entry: 6,09
